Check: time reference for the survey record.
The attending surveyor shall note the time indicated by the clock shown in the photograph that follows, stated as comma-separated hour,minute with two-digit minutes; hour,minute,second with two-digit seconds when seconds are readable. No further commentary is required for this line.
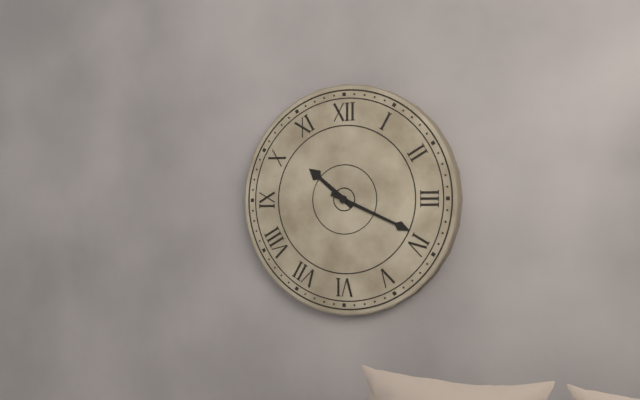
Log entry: 10,19
